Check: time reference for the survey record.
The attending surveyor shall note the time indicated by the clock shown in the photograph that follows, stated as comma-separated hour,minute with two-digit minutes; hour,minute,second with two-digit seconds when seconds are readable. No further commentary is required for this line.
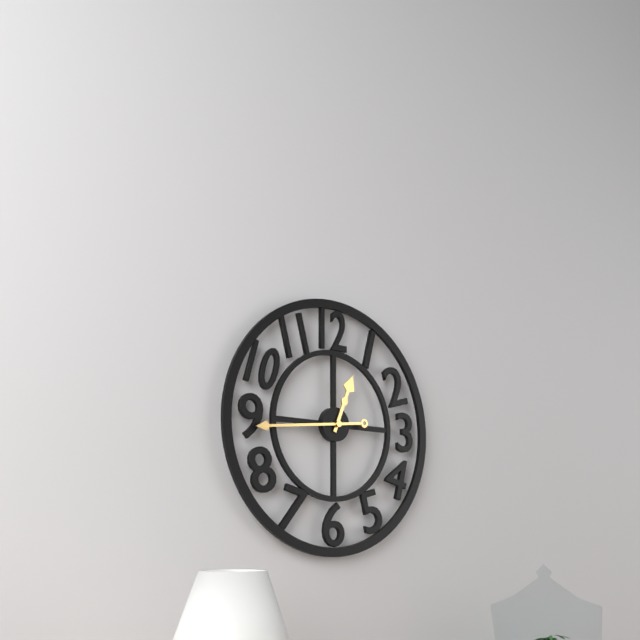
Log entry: 12,44
